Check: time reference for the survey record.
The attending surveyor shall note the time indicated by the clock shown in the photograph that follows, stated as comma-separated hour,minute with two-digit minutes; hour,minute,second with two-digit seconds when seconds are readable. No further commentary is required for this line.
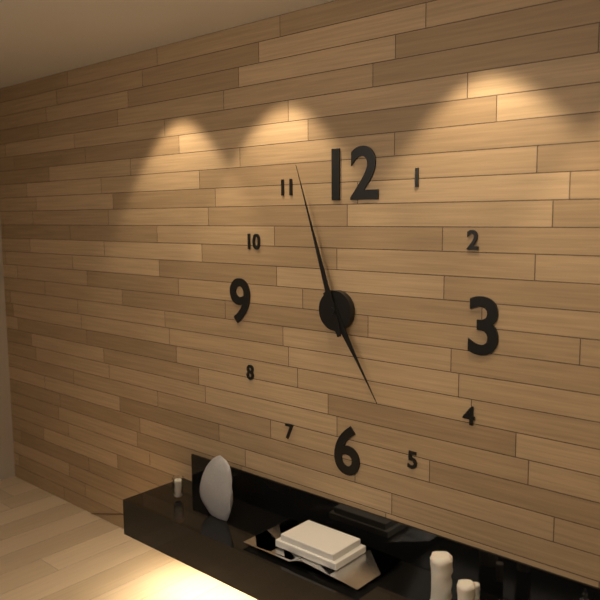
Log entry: 4,57
